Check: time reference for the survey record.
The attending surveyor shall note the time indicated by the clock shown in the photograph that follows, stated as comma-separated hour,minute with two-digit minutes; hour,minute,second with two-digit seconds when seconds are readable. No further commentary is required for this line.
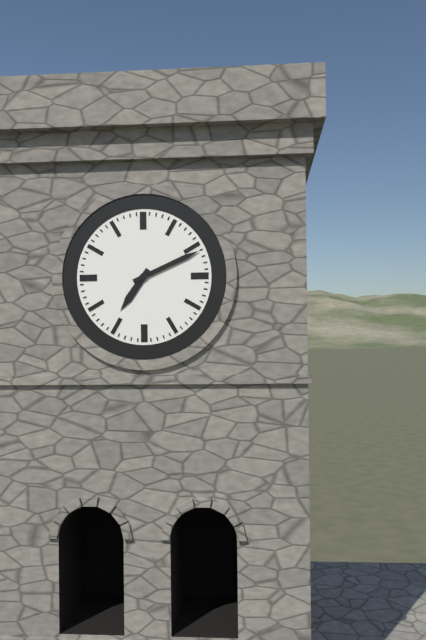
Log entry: 7,11
